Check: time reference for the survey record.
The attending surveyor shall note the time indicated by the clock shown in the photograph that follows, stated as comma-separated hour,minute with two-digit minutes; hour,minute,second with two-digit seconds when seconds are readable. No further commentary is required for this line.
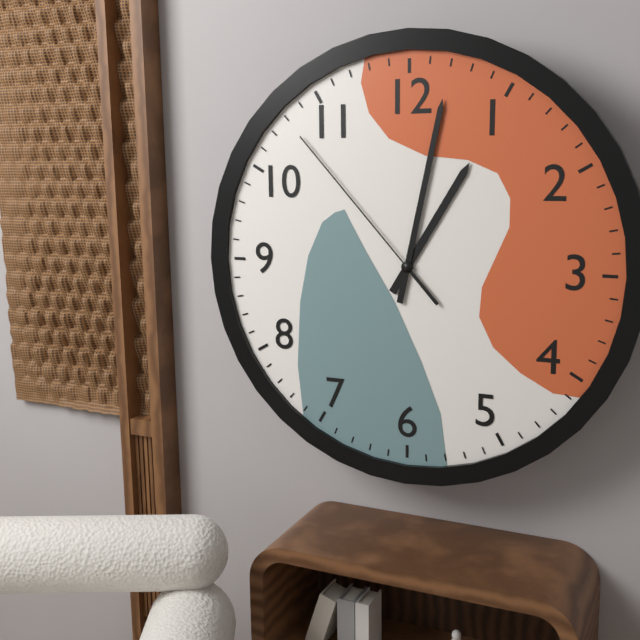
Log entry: 1,02,53
